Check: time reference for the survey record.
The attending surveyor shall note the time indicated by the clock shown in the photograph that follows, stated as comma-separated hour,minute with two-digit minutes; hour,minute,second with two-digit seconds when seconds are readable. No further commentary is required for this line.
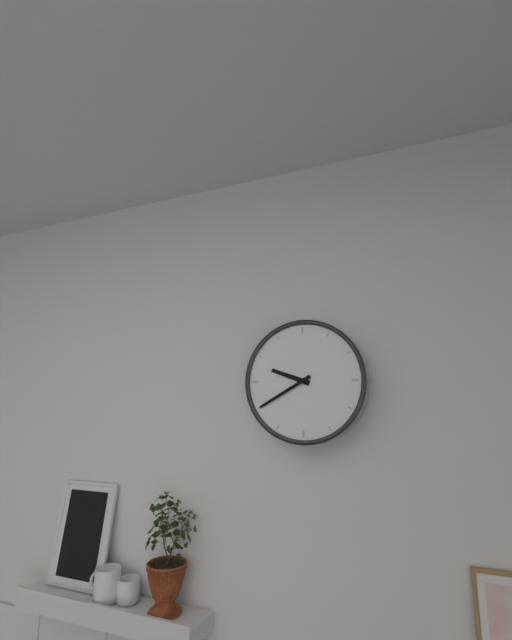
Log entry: 9,40
